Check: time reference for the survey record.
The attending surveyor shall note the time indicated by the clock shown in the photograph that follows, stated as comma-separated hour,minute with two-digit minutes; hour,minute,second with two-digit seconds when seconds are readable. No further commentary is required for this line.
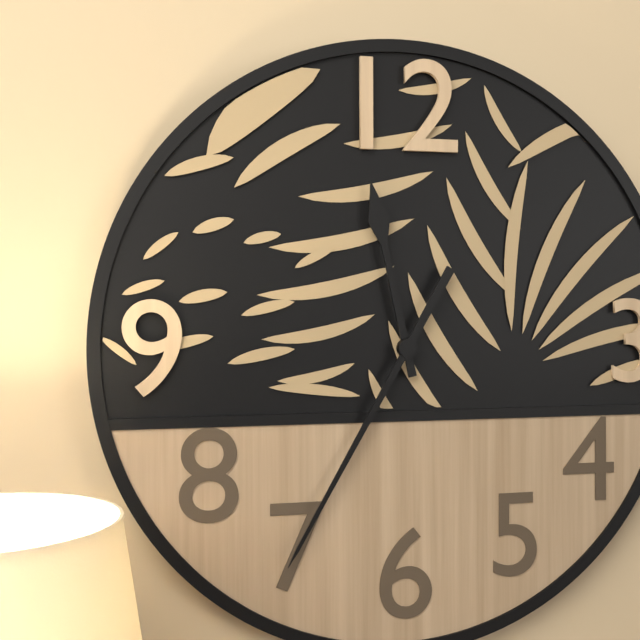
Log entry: 11,35
